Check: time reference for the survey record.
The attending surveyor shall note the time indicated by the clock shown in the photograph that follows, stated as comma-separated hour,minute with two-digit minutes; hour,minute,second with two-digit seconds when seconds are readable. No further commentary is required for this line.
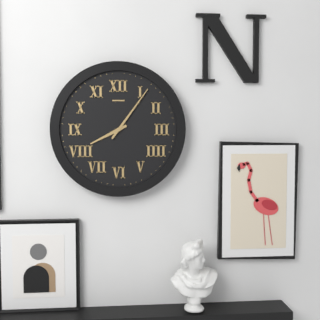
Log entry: 8,06
